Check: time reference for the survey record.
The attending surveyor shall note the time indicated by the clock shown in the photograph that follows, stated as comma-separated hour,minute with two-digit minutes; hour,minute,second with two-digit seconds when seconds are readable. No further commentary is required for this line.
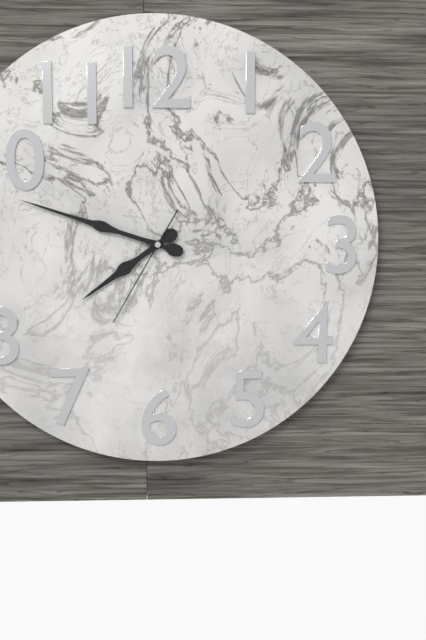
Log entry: 7,48,35
